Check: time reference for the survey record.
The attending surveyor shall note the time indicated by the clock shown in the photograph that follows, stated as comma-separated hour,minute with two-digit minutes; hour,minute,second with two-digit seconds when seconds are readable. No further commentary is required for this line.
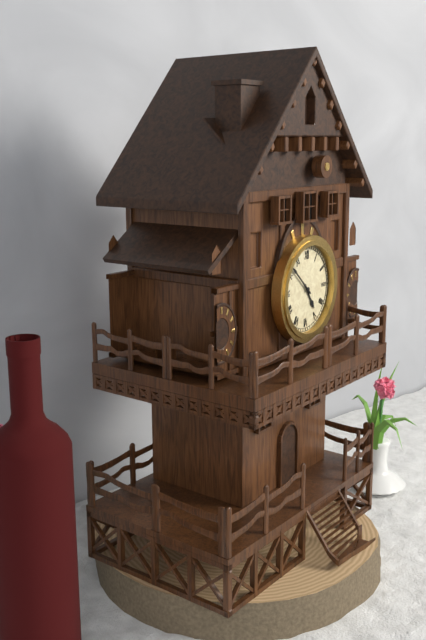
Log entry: 4,52
